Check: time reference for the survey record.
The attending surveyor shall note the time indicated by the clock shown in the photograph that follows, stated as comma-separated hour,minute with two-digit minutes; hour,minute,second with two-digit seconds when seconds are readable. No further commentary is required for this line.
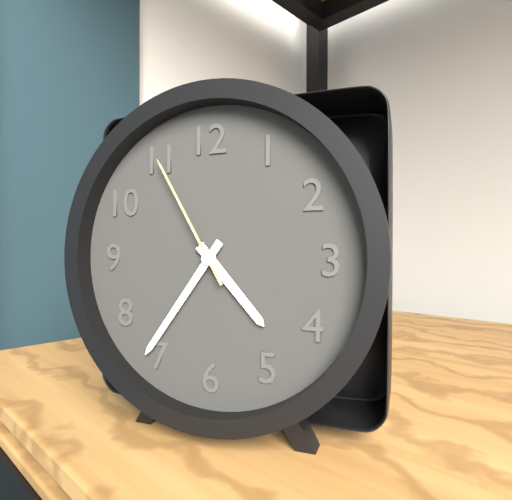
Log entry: 4,36,55
